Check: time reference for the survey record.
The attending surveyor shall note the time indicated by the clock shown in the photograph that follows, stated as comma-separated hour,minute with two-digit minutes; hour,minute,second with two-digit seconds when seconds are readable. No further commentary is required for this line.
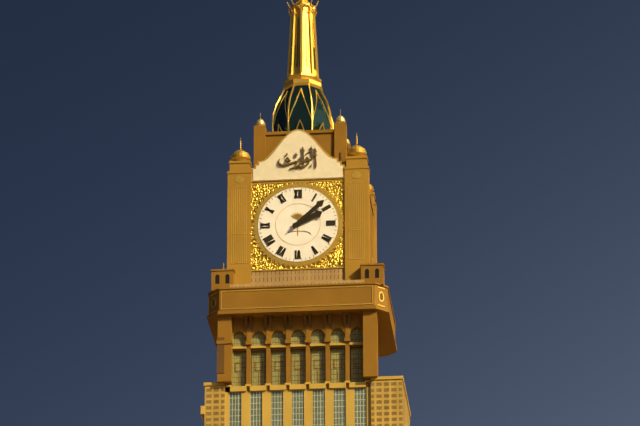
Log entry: 2,08
